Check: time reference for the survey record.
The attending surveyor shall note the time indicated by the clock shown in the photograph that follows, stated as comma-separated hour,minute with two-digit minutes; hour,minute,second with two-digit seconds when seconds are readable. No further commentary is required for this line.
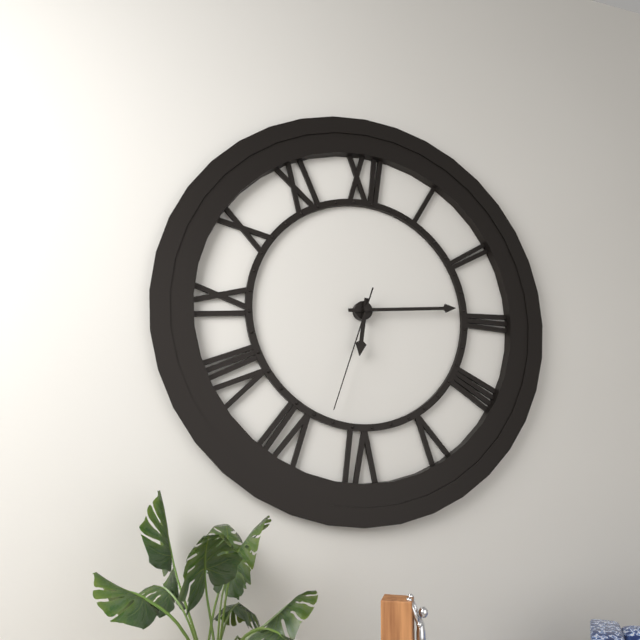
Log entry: 6,14,33
